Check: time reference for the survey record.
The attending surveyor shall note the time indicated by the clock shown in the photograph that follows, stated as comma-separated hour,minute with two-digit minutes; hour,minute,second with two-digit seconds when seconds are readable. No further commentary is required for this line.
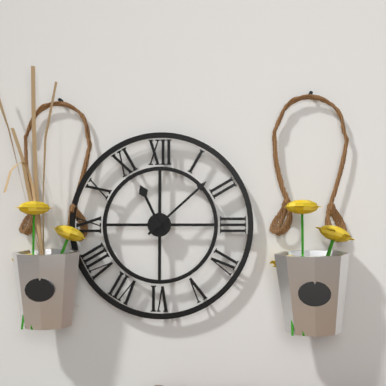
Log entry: 11,08
